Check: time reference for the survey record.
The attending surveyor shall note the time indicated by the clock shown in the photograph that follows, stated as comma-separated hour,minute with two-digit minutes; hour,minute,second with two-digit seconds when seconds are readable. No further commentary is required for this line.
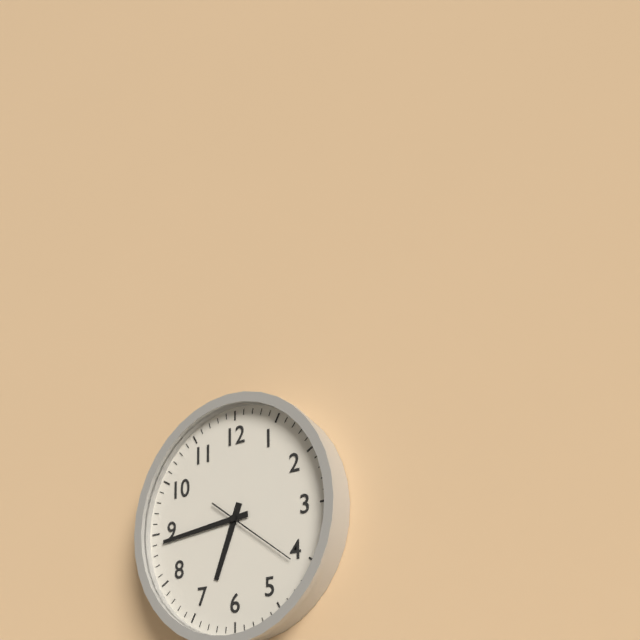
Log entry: 6,44,21
